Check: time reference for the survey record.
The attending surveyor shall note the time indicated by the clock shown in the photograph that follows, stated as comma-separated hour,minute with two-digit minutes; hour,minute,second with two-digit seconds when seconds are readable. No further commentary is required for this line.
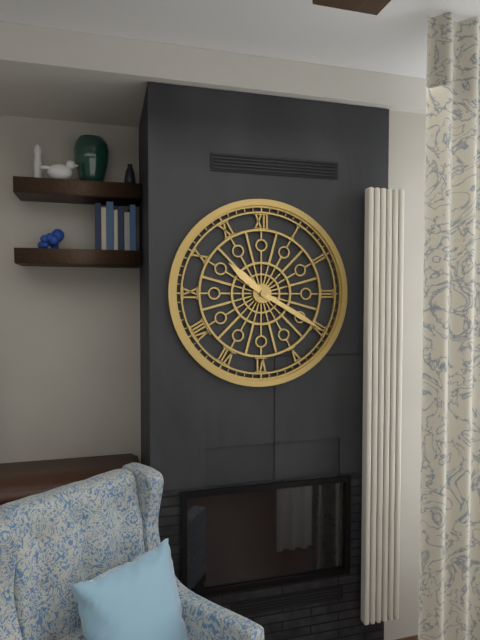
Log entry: 10,20
